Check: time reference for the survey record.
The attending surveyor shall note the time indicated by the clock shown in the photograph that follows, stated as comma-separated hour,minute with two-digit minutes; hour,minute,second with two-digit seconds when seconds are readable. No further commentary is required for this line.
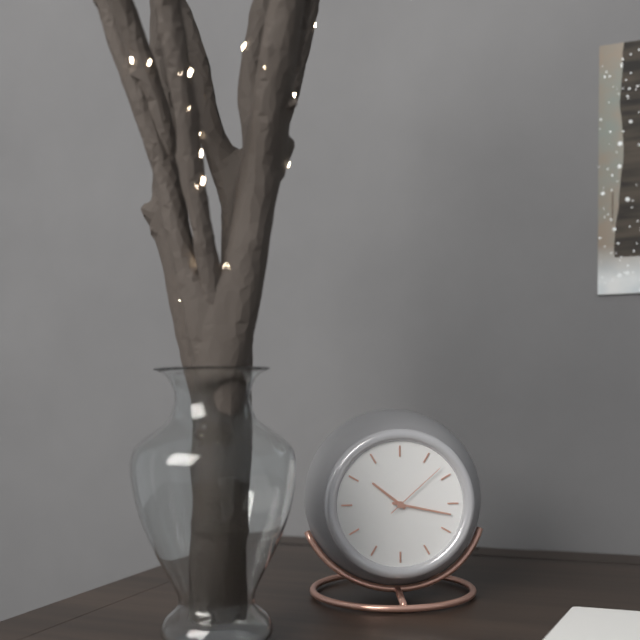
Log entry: 10,17,08
